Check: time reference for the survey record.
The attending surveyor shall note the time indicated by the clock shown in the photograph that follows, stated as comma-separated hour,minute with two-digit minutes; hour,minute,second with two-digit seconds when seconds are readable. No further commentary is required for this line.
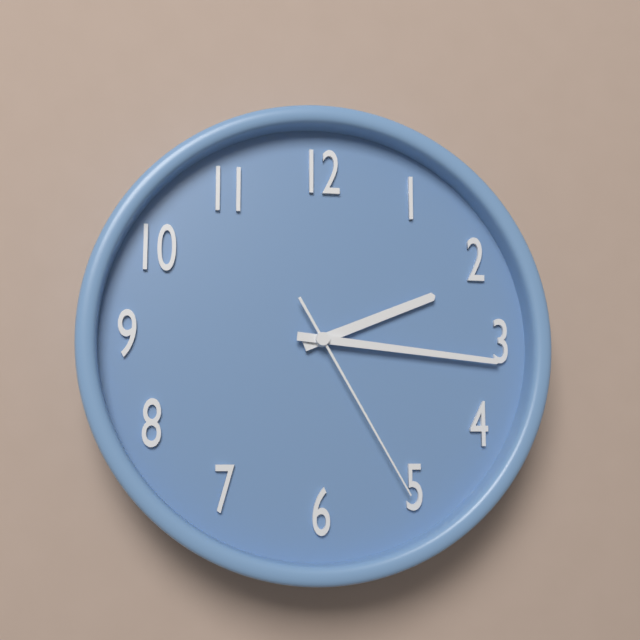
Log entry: 2,16,25
